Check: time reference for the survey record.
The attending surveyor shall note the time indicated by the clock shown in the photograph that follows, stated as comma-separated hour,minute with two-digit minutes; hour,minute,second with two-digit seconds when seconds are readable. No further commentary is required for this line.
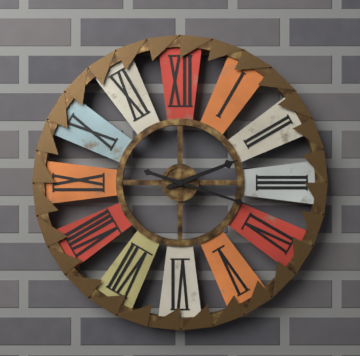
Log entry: 2,18
